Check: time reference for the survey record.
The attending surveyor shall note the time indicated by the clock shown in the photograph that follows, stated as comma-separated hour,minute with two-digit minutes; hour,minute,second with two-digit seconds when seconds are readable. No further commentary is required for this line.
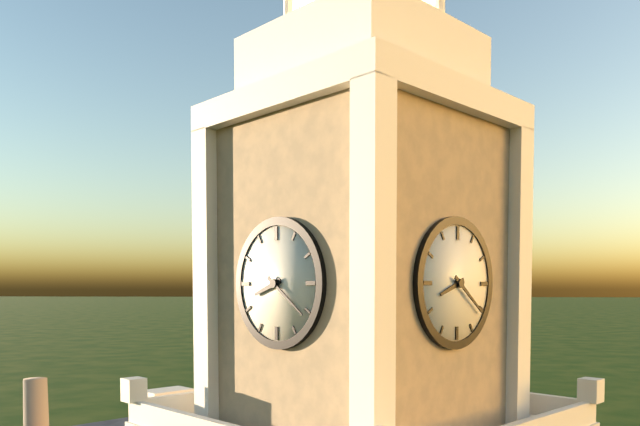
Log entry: 8,21
